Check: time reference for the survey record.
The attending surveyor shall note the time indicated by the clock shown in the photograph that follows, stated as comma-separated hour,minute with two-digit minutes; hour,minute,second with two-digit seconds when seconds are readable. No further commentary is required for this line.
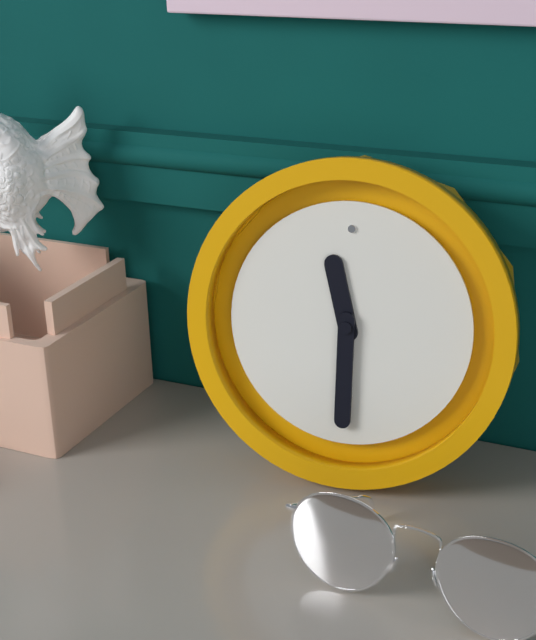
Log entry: 11,30
